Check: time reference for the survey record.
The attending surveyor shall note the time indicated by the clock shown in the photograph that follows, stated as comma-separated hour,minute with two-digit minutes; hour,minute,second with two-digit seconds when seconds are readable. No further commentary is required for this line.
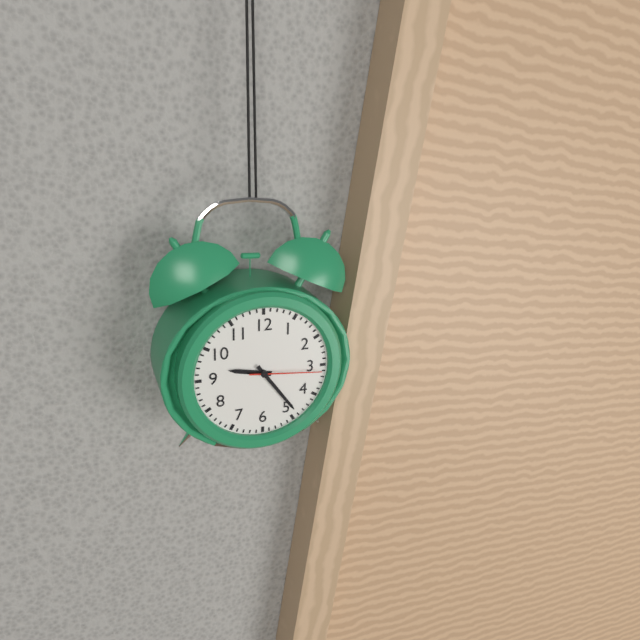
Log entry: 9,24,16
